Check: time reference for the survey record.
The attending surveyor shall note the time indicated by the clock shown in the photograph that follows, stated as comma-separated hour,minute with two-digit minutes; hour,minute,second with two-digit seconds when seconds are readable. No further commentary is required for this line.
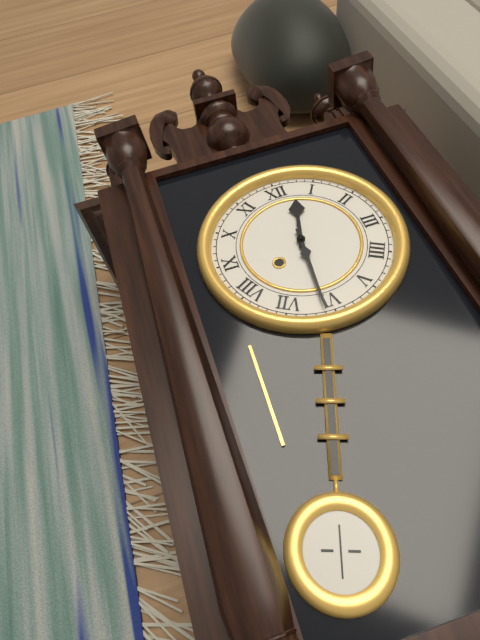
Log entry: 12,31
